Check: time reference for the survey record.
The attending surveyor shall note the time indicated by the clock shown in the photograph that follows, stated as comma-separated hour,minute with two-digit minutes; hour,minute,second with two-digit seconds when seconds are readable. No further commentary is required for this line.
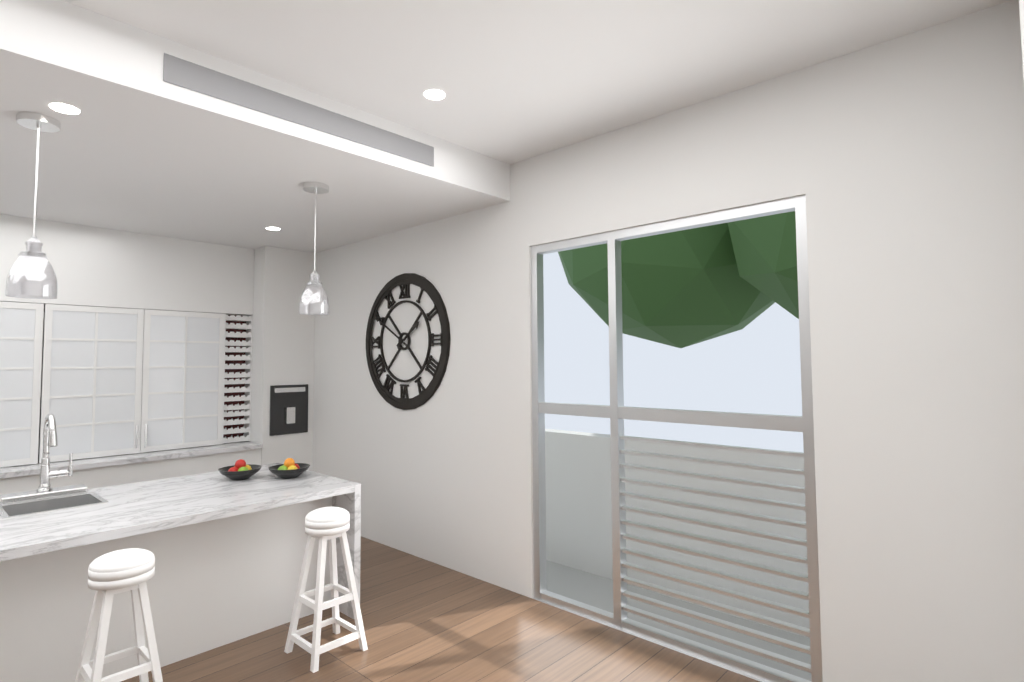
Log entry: 1,50
